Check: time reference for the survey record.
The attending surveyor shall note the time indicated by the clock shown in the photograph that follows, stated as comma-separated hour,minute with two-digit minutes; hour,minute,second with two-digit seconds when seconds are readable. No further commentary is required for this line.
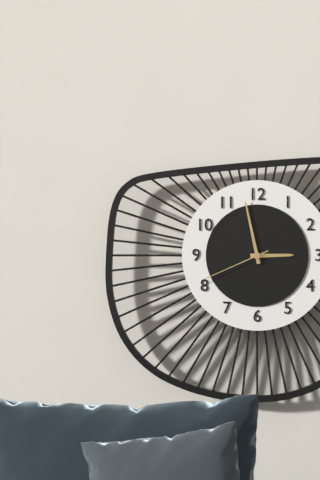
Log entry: 2,58,41
